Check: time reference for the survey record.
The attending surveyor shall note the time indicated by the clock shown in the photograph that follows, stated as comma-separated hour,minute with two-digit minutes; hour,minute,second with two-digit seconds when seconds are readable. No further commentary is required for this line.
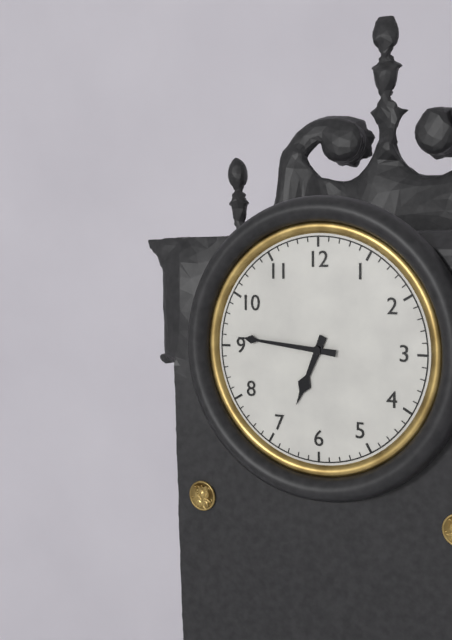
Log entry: 6,46
